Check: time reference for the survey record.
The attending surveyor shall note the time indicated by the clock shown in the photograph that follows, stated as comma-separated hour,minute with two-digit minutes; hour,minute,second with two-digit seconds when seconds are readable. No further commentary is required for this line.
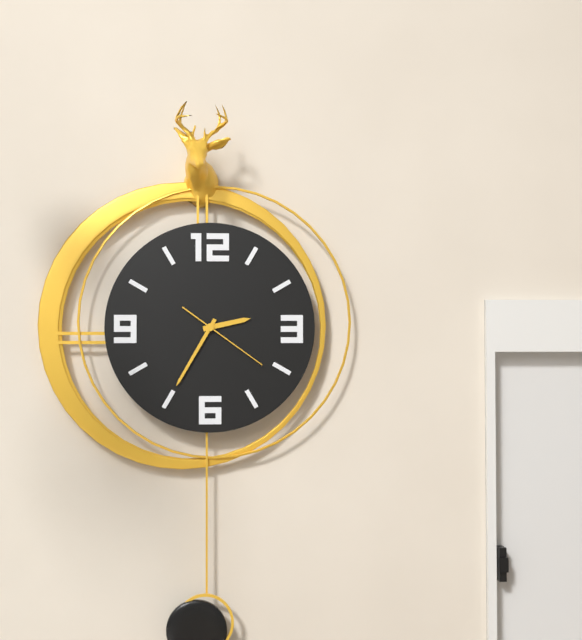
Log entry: 2,35,21
